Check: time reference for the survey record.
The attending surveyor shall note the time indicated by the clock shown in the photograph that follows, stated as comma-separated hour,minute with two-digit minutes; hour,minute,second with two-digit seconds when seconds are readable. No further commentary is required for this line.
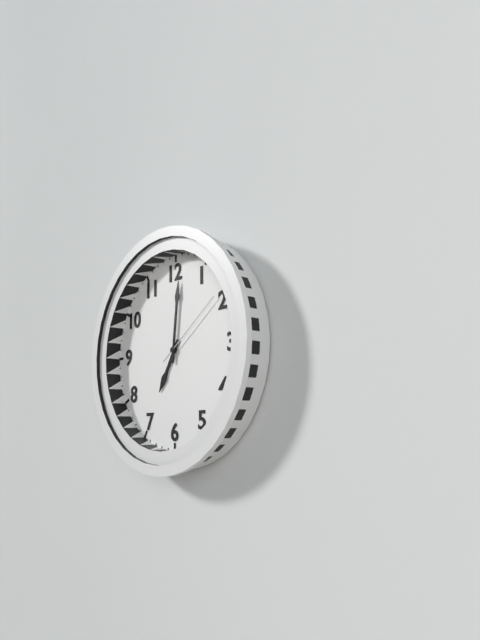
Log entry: 7,01,09
